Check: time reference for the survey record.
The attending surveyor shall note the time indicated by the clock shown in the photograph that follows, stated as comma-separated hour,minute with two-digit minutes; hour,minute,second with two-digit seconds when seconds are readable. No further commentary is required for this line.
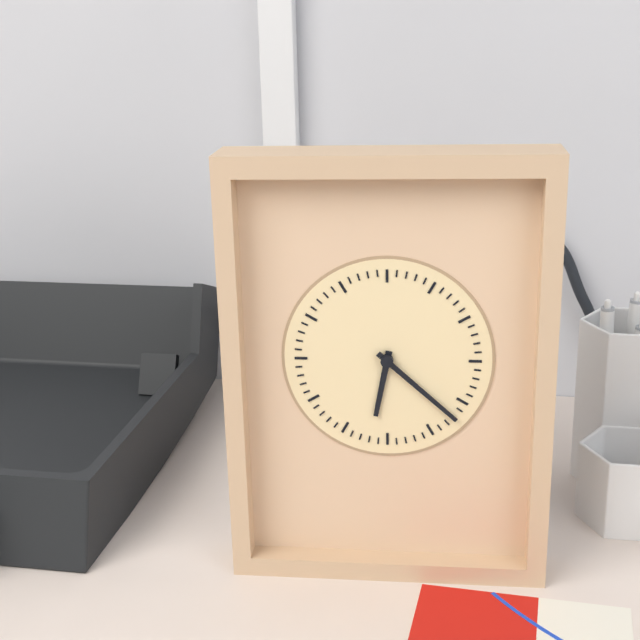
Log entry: 6,22
